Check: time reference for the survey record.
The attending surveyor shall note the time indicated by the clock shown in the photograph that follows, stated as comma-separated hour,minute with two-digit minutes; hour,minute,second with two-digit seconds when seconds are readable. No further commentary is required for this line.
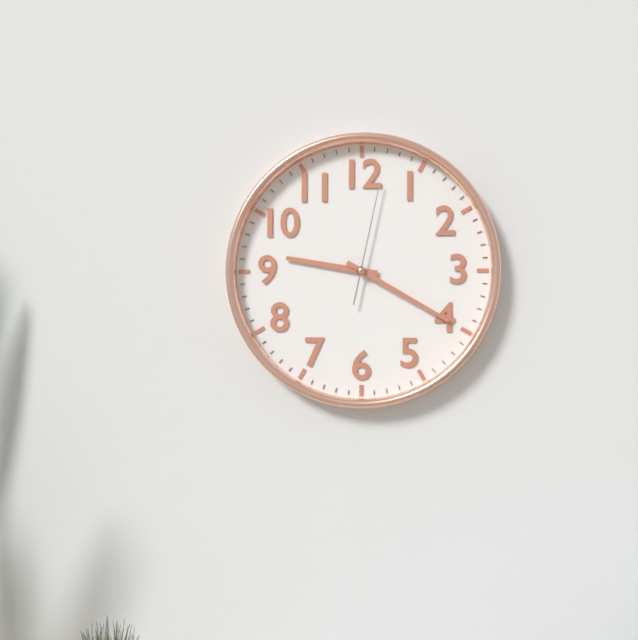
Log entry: 9,20,02
